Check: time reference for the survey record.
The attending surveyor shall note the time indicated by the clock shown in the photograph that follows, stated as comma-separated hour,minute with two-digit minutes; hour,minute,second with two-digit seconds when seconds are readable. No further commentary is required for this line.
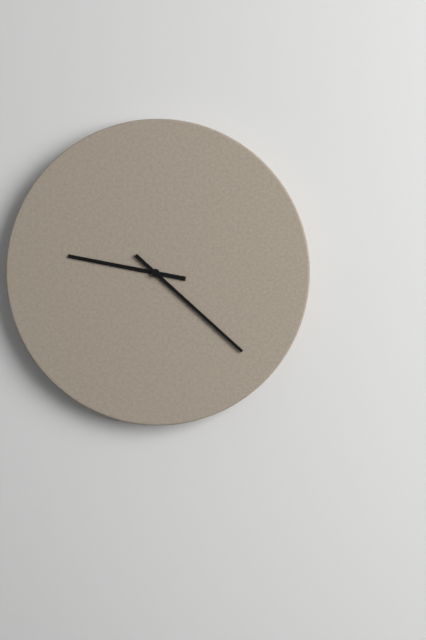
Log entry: 9,22
